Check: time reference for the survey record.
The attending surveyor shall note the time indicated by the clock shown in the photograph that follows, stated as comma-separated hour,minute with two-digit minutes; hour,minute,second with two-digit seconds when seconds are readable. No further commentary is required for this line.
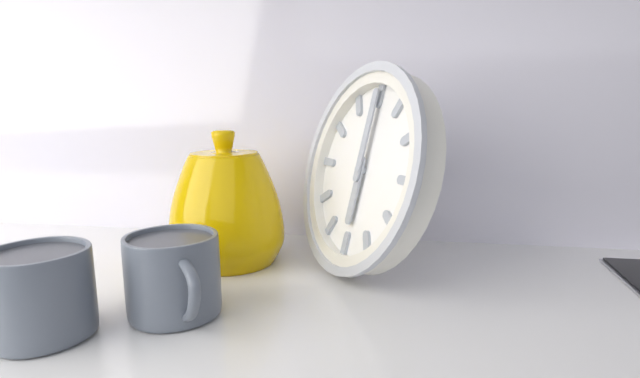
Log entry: 6,00
